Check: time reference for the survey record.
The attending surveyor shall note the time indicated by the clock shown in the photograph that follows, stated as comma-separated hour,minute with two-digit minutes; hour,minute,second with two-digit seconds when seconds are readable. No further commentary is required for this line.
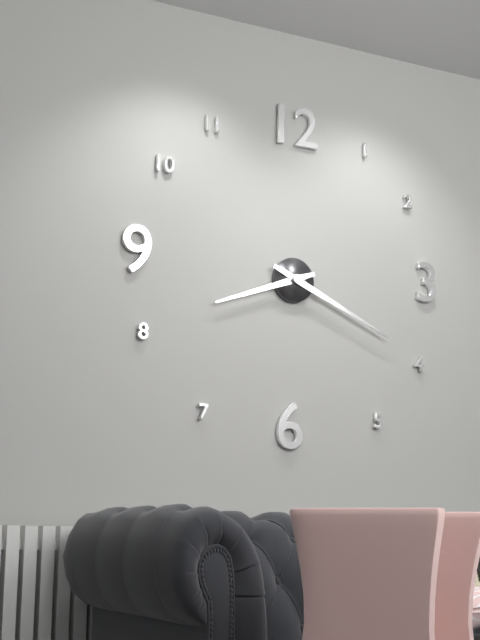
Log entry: 8,19
